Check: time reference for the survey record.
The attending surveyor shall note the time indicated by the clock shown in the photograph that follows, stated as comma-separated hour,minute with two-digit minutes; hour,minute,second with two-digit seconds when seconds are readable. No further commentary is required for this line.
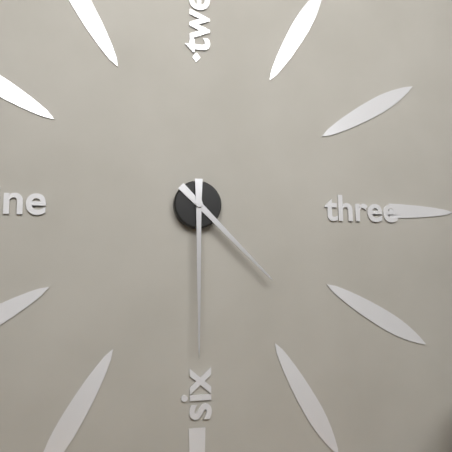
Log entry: 4,30
